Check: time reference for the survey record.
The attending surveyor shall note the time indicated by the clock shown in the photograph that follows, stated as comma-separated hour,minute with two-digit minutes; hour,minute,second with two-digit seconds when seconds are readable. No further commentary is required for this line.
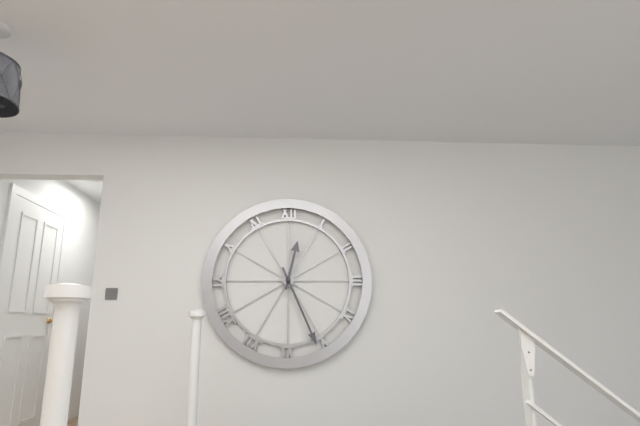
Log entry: 12,26
